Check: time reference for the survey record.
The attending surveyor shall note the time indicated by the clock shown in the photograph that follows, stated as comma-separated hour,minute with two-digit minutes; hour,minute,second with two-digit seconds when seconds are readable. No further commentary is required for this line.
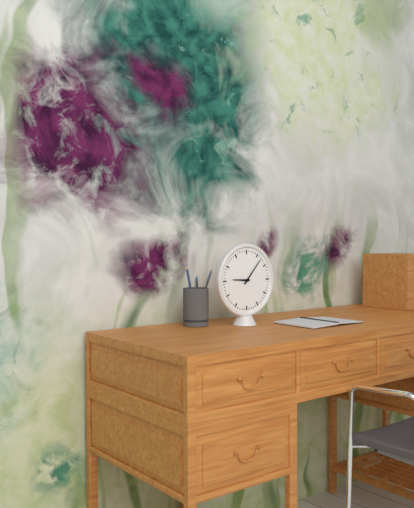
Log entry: 9,07
